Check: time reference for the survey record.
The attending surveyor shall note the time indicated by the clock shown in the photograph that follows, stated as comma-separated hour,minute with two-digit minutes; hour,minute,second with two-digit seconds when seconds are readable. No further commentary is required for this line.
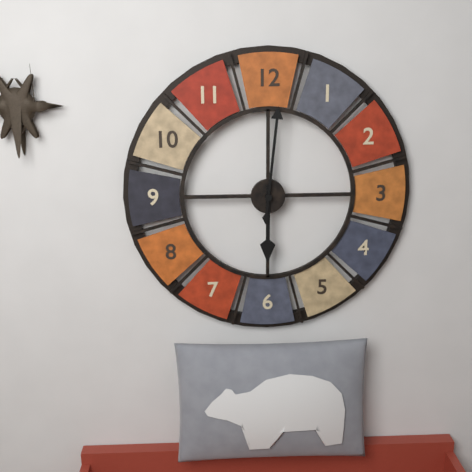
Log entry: 6,01
